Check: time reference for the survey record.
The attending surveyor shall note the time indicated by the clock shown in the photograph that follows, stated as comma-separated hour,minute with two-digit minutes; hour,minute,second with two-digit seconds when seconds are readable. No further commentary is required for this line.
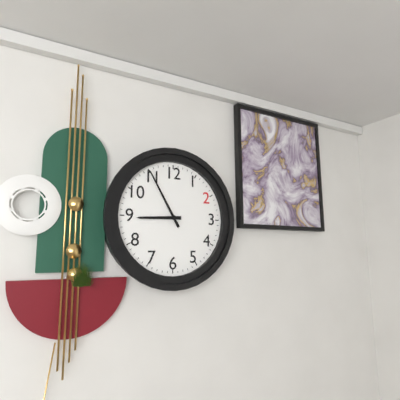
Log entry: 8,55
